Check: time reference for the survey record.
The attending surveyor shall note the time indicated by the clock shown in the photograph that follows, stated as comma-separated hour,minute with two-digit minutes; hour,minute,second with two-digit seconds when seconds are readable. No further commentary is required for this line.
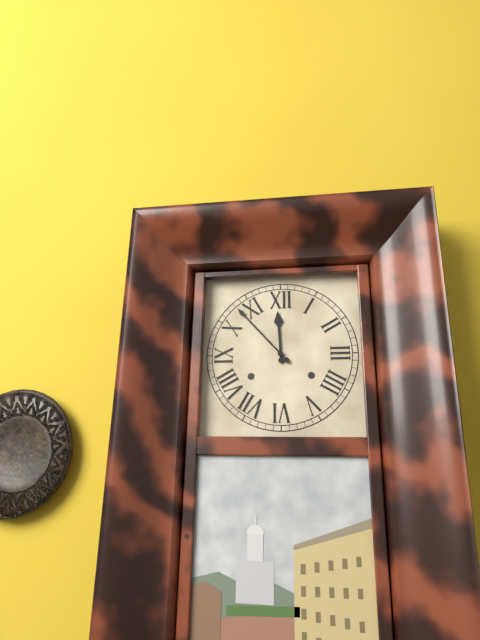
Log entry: 11,53
